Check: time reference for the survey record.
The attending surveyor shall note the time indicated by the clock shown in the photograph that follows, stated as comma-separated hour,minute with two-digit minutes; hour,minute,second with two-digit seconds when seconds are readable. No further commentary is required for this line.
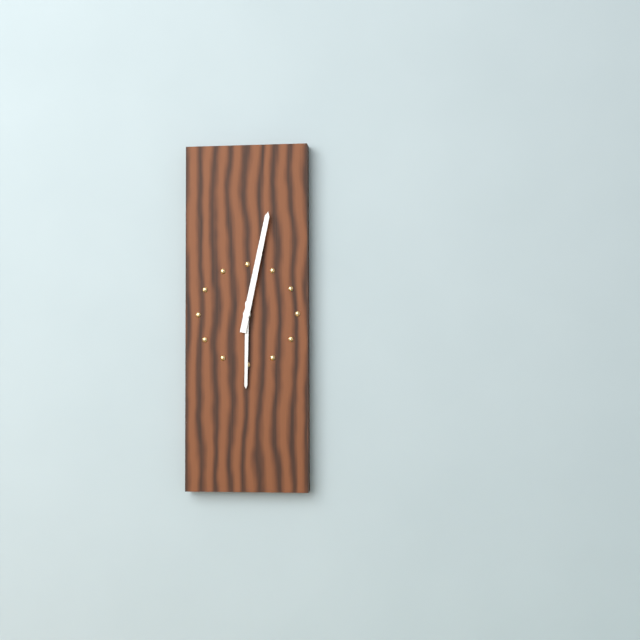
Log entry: 6,02
